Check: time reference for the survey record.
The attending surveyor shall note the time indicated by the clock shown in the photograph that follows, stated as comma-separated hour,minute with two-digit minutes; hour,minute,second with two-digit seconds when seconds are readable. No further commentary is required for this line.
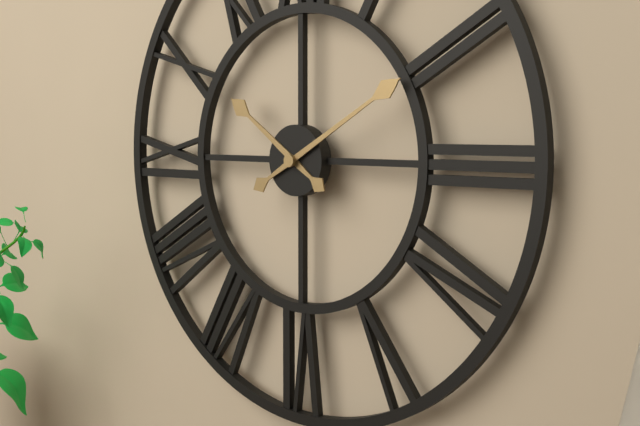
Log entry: 10,10
